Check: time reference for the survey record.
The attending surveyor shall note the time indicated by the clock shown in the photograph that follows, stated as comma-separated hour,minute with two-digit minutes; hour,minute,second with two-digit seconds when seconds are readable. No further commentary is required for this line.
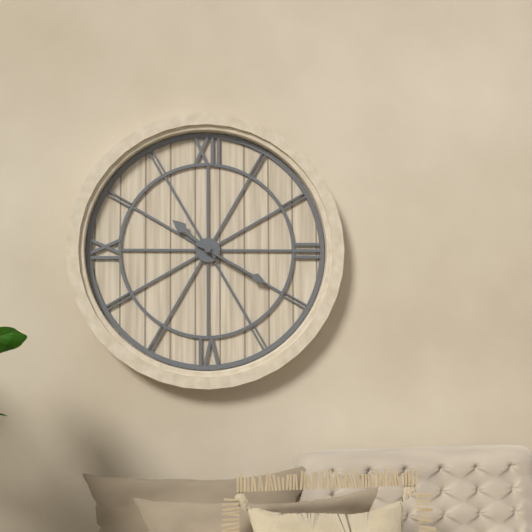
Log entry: 10,20
